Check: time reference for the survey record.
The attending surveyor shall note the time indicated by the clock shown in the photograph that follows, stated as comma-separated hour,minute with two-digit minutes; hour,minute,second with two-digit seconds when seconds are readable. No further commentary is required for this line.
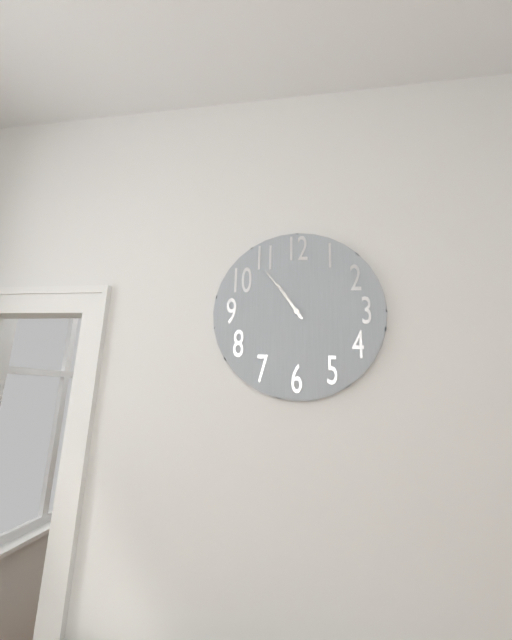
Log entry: 10,54
